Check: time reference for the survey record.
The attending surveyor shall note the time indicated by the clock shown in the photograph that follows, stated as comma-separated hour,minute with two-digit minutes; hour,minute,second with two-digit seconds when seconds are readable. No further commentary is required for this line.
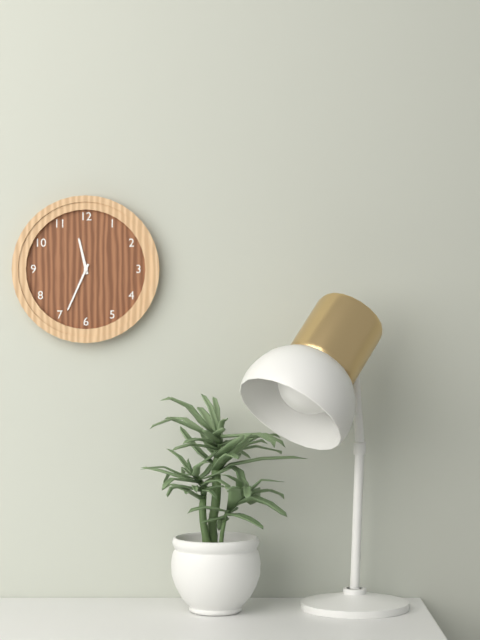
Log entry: 11,34
